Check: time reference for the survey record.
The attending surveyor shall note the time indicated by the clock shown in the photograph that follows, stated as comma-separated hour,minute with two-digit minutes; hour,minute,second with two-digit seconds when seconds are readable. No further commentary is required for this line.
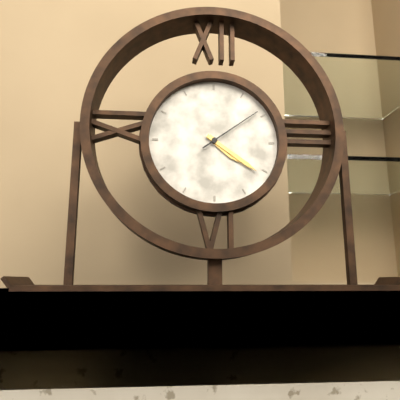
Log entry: 4,21,09
